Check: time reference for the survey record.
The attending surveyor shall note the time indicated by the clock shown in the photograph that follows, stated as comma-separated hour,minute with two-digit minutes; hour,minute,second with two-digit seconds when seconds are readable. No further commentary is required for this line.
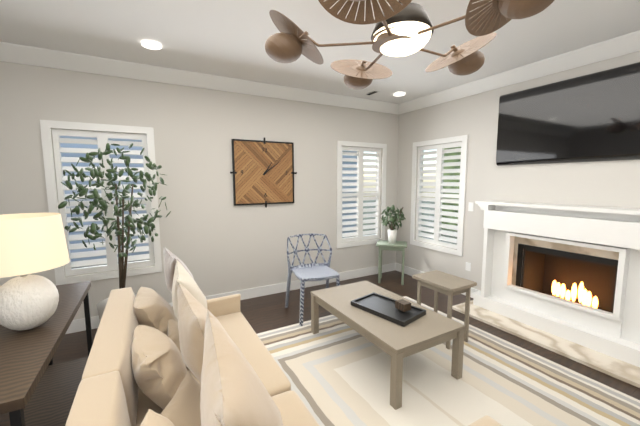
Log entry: 1,09
